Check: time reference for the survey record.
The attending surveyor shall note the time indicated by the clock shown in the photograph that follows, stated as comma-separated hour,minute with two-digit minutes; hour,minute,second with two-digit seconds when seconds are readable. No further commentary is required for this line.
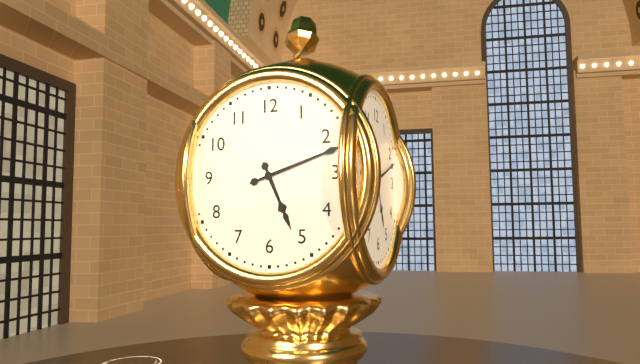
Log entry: 5,12
